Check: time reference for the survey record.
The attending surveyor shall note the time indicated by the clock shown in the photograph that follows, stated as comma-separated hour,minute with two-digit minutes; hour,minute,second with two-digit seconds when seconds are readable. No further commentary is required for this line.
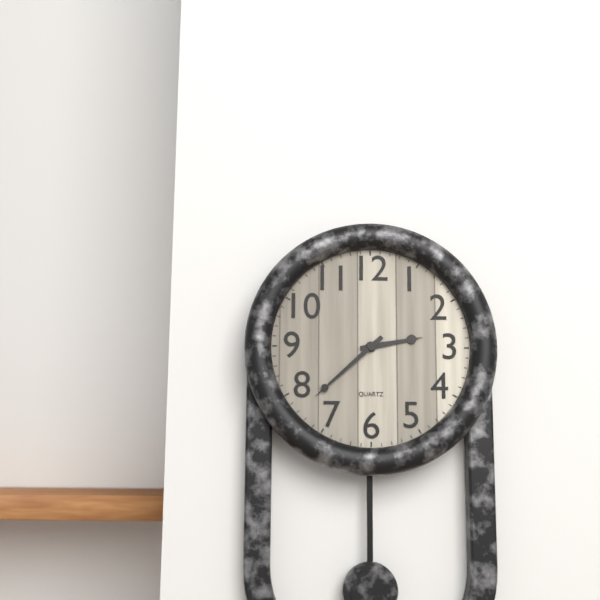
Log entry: 2,38
